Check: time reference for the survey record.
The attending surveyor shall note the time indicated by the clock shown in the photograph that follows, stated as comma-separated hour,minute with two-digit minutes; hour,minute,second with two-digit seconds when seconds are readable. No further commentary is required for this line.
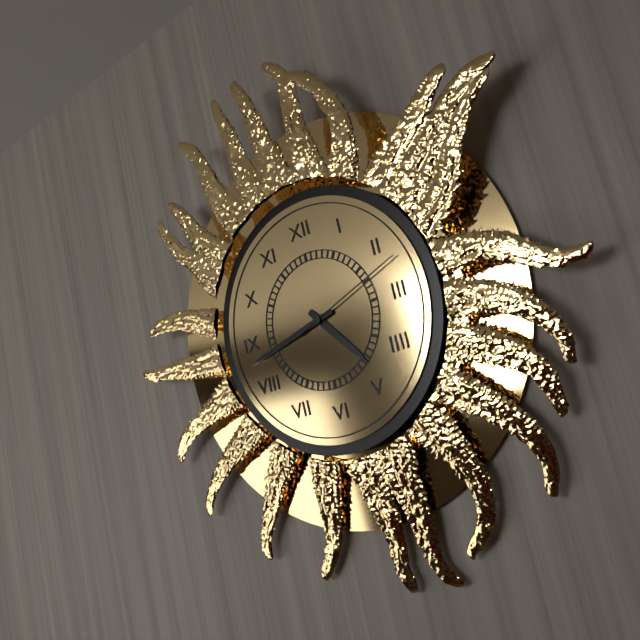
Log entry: 4,43,12
